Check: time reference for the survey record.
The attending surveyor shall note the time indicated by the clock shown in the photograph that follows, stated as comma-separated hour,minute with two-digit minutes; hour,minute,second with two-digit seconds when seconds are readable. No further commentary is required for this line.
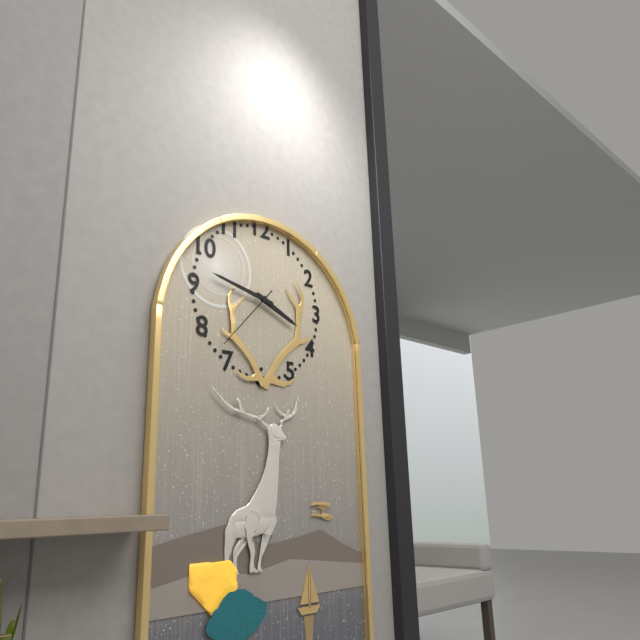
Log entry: 3,47,37
